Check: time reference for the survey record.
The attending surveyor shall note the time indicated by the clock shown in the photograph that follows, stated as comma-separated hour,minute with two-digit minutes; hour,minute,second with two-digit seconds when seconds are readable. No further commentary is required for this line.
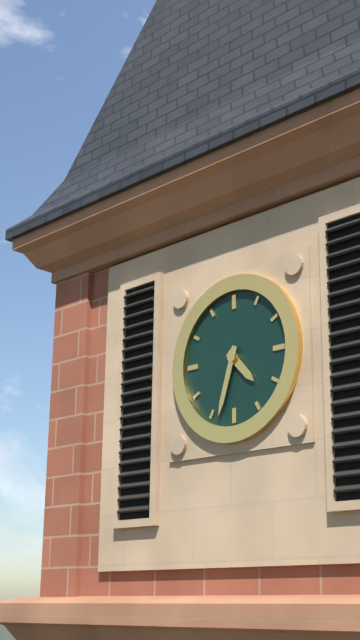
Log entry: 4,33
